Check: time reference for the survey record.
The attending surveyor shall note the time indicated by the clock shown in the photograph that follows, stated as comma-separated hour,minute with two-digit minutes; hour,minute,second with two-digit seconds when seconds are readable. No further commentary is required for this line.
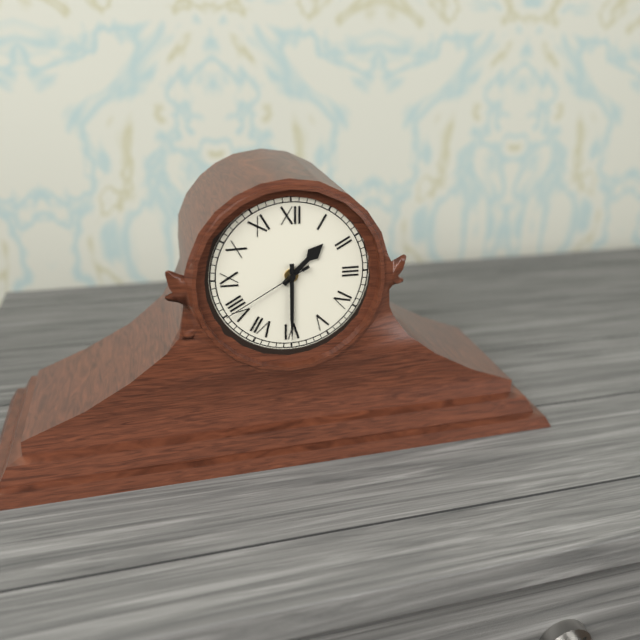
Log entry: 1,30,40
